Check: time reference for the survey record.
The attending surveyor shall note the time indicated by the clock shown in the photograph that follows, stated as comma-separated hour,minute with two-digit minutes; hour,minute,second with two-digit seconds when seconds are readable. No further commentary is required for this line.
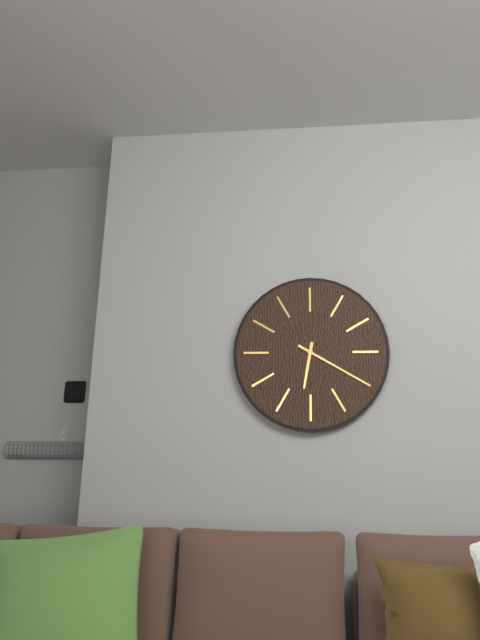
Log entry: 6,20
